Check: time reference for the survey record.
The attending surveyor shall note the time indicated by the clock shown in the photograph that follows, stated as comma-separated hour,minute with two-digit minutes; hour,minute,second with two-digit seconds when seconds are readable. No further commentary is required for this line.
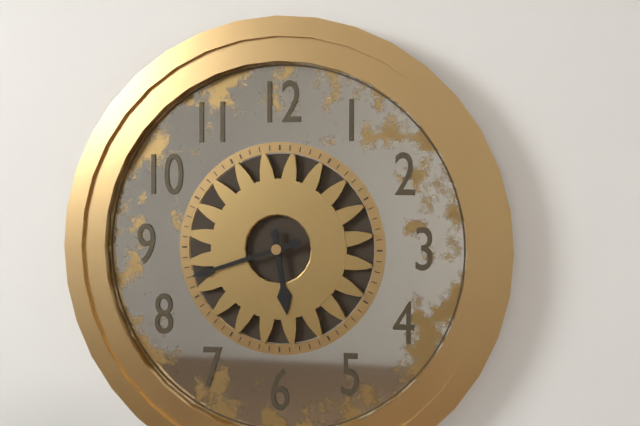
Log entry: 5,42
